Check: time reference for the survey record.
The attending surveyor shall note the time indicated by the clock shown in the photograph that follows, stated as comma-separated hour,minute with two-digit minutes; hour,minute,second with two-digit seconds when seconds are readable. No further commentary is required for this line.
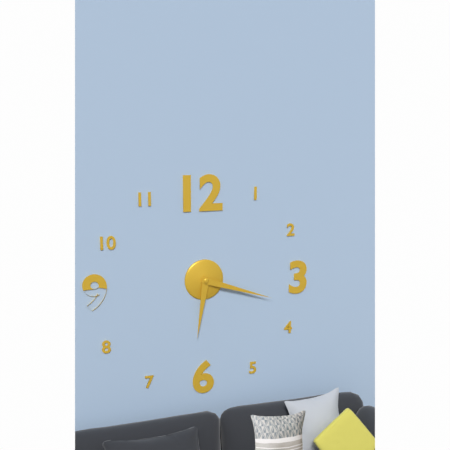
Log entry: 6,18
